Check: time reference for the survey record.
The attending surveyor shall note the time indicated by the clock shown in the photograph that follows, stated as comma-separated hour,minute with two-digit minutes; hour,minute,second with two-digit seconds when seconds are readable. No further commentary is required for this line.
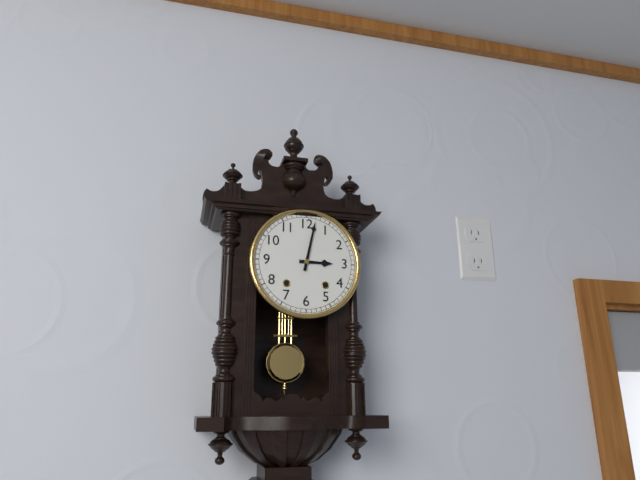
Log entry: 3,02
